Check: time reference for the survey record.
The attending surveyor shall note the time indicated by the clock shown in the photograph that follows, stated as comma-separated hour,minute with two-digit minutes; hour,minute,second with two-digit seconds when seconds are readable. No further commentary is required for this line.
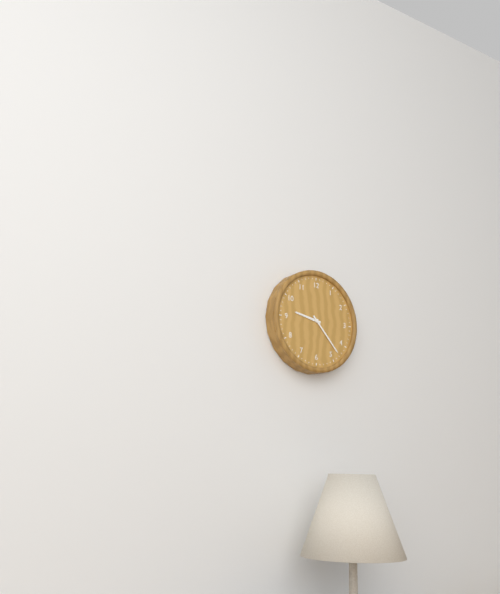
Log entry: 9,23
